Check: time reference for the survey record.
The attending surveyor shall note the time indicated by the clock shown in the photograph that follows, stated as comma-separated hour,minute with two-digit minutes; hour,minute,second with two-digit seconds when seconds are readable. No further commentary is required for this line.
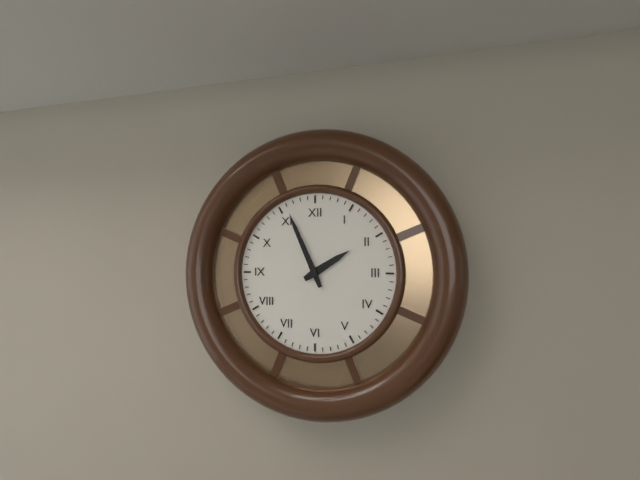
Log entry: 1,56
